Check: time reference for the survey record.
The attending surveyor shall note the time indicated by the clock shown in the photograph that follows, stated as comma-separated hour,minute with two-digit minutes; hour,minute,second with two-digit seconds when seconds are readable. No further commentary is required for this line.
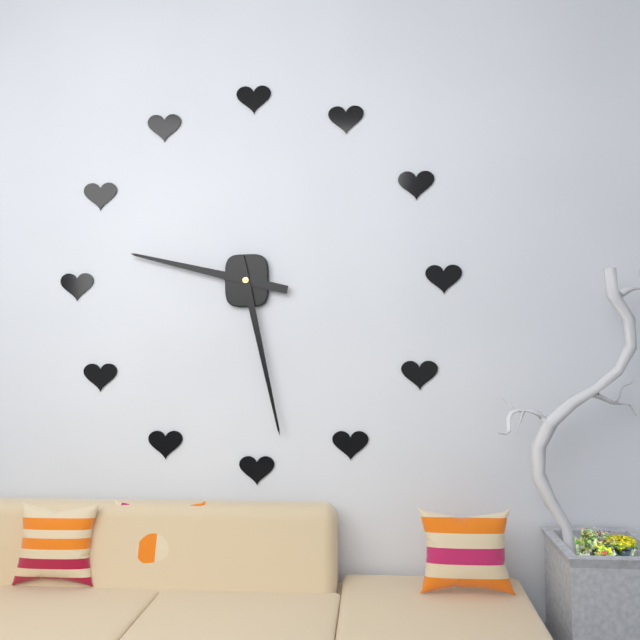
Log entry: 9,28
